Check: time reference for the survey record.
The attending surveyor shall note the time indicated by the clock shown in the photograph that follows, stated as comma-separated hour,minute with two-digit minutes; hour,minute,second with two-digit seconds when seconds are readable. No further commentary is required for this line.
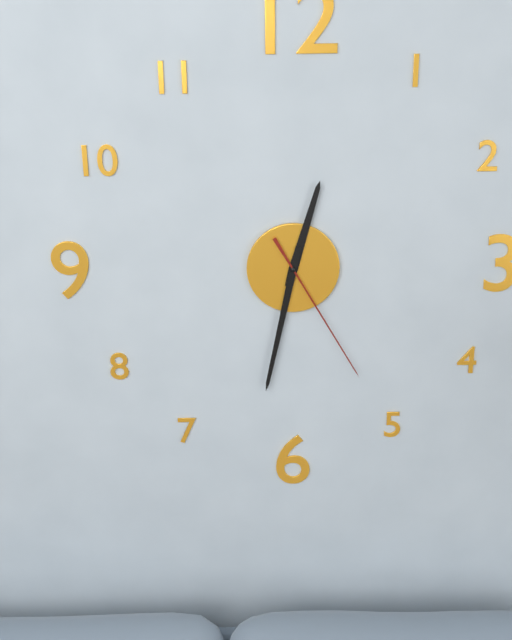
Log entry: 12,32,25
